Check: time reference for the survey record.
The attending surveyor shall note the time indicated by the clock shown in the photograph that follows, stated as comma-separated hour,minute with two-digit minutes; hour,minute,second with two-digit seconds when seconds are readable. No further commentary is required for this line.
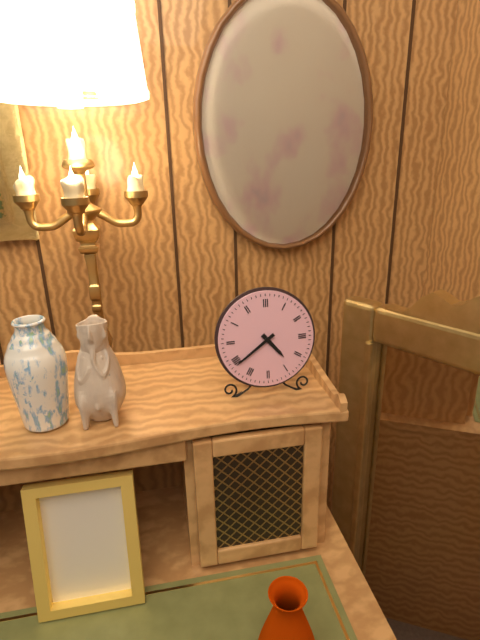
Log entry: 4,39
